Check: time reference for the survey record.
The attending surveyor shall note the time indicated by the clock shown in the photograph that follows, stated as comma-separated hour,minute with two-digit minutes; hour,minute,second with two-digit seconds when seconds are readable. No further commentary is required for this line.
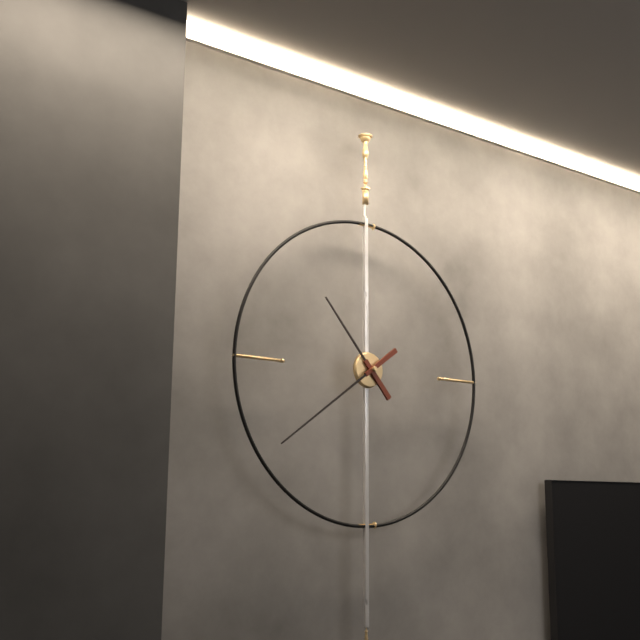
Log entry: 10,39
